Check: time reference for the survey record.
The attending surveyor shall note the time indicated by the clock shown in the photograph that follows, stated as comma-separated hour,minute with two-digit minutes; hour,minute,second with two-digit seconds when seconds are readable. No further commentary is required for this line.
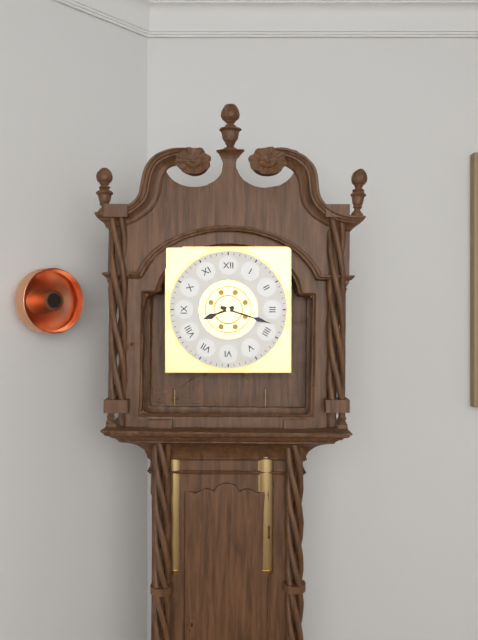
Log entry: 8,18
